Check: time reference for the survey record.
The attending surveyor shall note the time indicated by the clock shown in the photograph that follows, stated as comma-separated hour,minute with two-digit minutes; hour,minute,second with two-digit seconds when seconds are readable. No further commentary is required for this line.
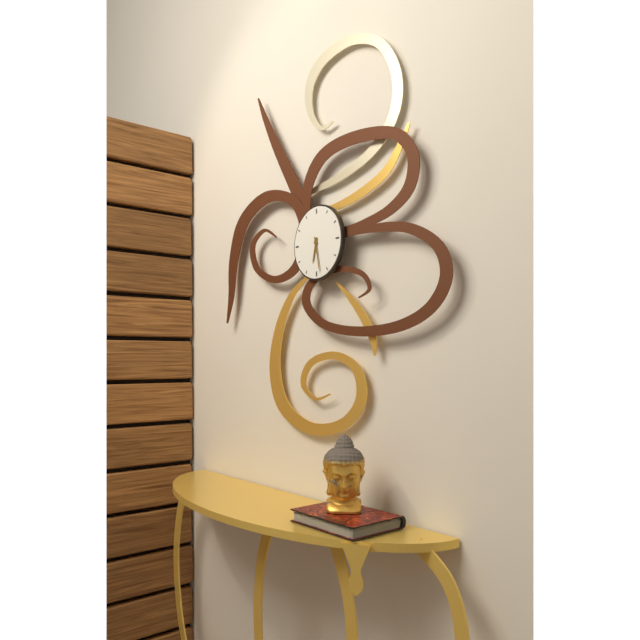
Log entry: 6,28
